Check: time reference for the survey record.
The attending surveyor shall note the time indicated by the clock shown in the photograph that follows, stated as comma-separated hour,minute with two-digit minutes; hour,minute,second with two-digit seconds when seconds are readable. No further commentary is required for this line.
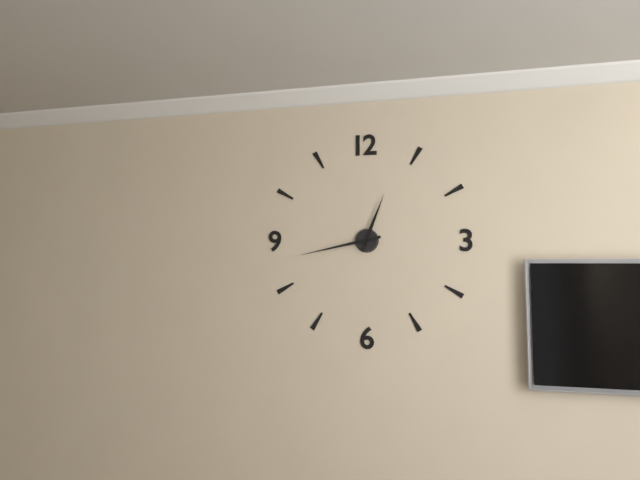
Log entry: 12,43
